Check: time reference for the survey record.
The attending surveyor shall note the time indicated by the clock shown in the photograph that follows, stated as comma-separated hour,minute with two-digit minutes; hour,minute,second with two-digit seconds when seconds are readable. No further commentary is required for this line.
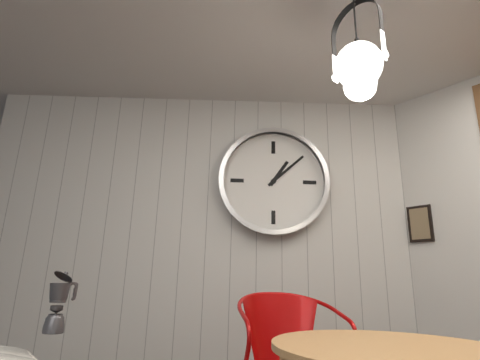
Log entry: 1,08
